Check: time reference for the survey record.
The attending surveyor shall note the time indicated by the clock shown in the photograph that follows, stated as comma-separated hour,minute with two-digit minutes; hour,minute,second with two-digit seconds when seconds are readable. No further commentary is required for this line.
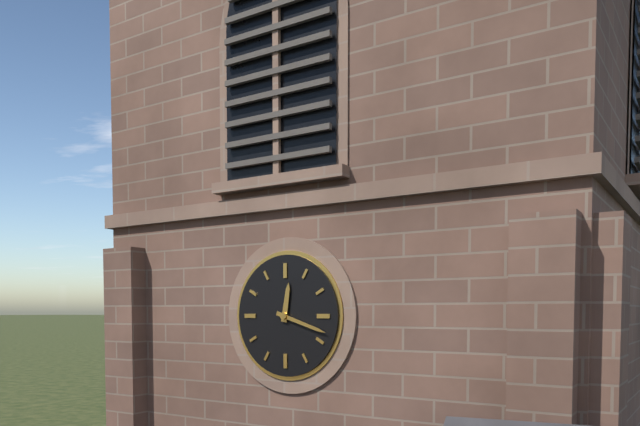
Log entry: 12,18
